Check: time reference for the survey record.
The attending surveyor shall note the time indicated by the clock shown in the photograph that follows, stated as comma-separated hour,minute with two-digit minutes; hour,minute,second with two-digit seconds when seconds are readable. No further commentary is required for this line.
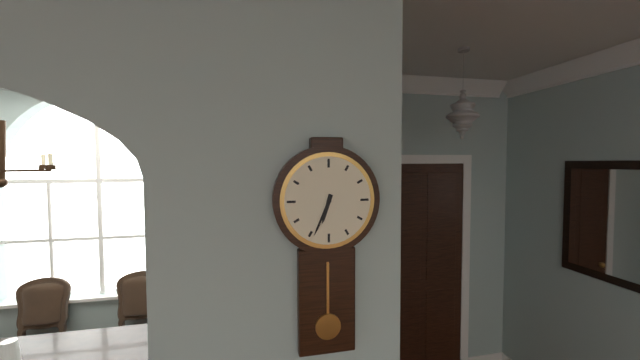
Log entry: 6,34
